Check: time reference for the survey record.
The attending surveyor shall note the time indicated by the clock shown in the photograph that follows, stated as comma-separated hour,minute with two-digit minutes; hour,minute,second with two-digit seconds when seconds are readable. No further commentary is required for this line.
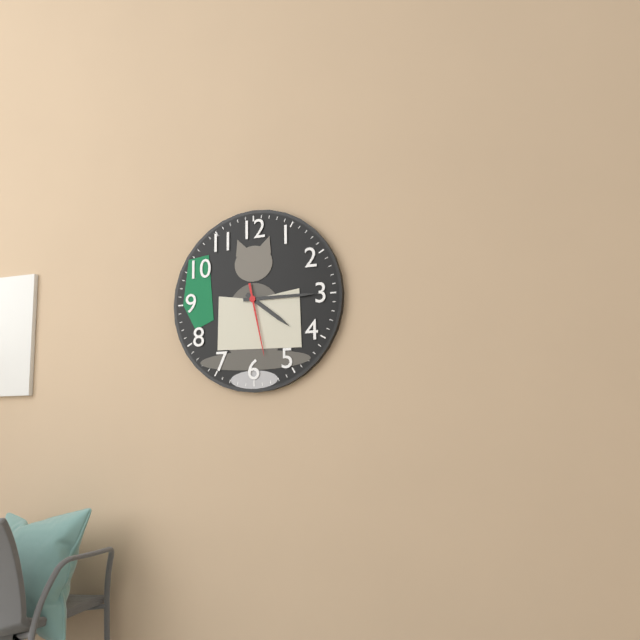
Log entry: 4,15,28
